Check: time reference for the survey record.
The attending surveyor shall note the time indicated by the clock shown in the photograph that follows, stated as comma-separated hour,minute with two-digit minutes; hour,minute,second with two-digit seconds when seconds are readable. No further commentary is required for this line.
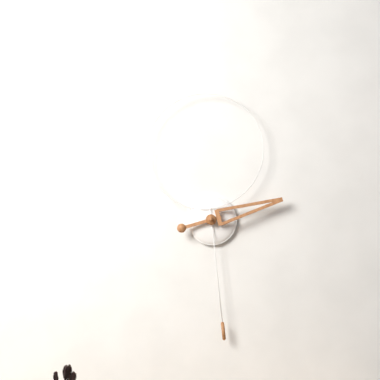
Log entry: 2,29
